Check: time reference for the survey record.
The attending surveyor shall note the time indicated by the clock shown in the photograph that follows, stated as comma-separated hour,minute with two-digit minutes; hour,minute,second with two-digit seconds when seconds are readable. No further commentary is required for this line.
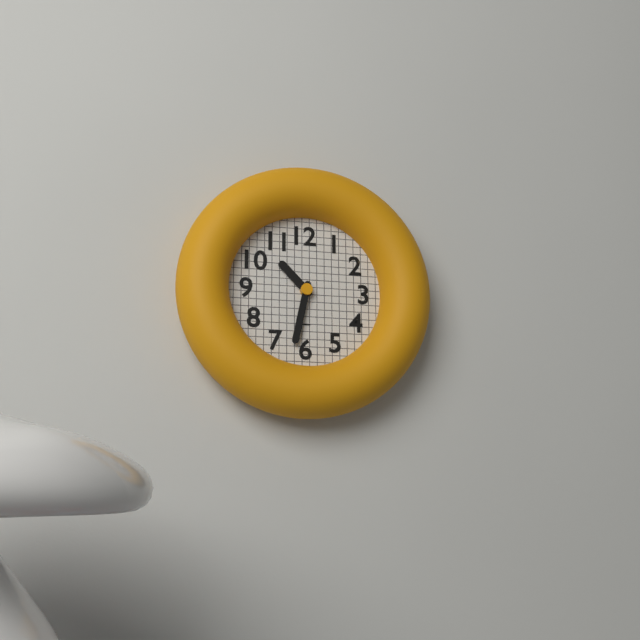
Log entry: 10,32
